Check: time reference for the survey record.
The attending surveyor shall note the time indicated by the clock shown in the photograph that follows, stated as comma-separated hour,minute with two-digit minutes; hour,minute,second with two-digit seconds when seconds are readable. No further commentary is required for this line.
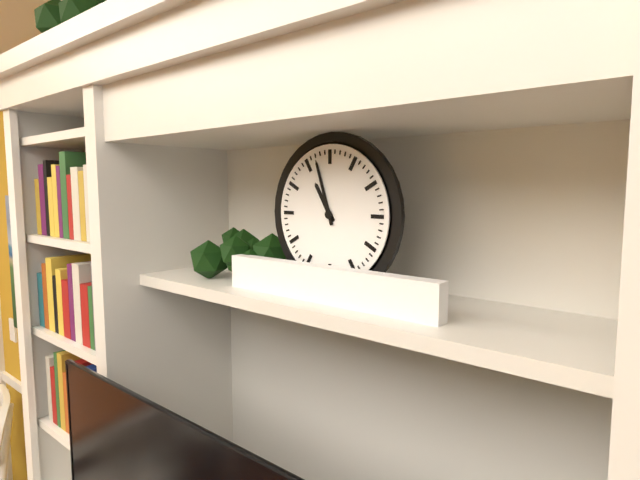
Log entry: 10,57
